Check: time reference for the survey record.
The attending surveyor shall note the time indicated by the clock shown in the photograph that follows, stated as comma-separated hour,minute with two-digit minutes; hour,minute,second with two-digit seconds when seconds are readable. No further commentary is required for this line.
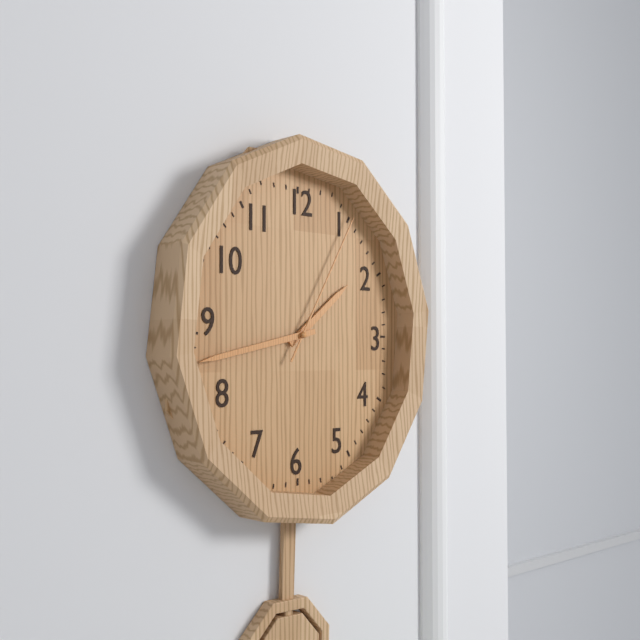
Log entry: 1,43,05
